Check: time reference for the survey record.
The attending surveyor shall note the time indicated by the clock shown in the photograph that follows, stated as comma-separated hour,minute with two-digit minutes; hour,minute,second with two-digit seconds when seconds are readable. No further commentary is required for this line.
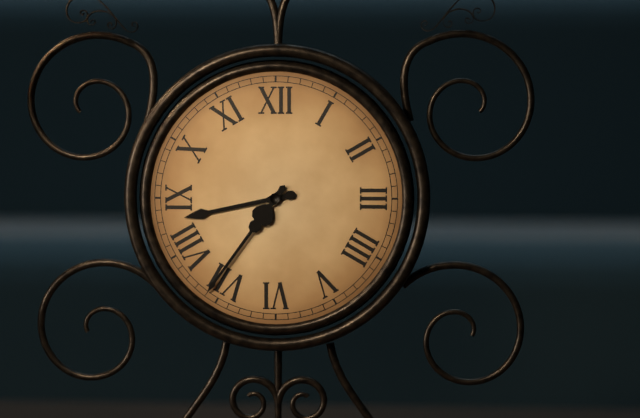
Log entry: 8,36
